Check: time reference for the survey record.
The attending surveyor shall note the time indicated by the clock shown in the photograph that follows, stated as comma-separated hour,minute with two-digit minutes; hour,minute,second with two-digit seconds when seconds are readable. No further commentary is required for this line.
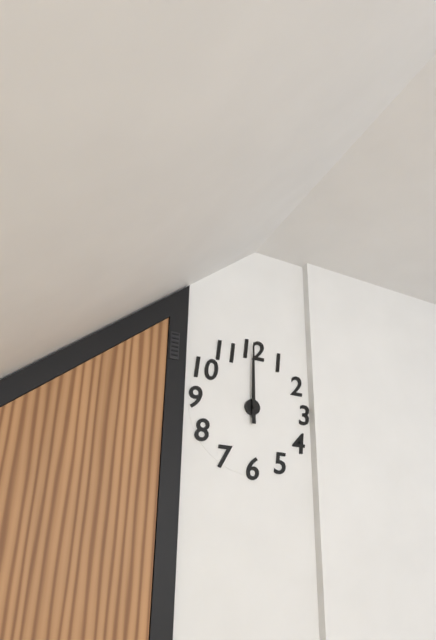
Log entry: 12,00
